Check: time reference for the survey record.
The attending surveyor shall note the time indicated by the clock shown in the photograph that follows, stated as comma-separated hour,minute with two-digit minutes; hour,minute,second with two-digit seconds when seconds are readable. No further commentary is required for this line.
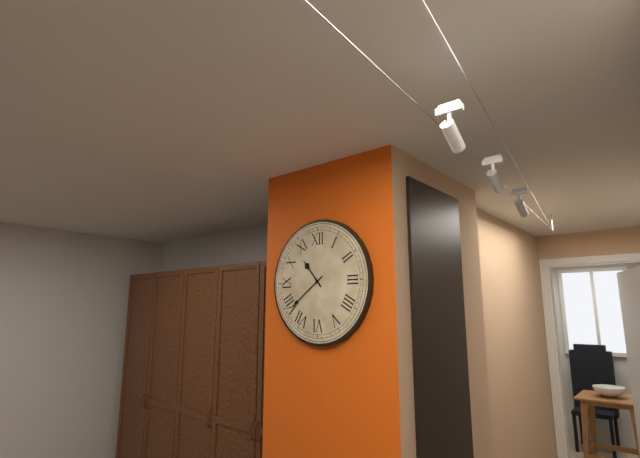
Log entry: 10,39
